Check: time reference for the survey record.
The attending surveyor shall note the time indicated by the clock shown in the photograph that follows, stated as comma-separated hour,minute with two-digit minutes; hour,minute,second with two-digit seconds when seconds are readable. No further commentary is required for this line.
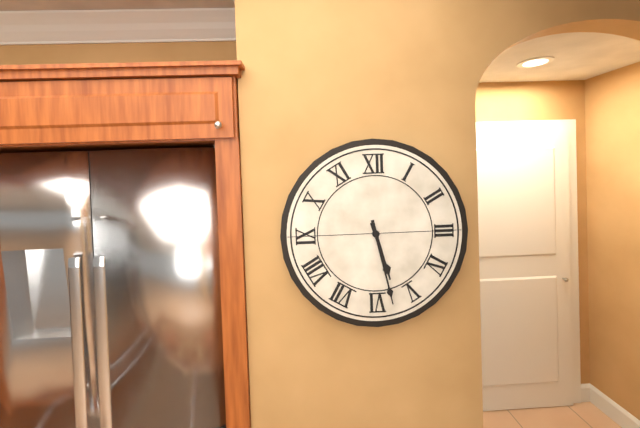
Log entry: 5,28
